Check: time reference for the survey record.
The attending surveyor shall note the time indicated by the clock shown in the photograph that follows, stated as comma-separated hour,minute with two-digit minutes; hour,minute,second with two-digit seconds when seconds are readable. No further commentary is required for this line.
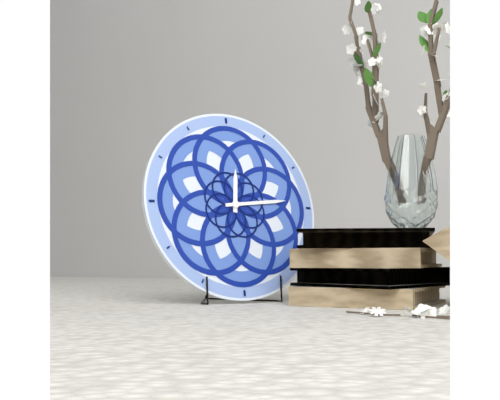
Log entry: 12,14
